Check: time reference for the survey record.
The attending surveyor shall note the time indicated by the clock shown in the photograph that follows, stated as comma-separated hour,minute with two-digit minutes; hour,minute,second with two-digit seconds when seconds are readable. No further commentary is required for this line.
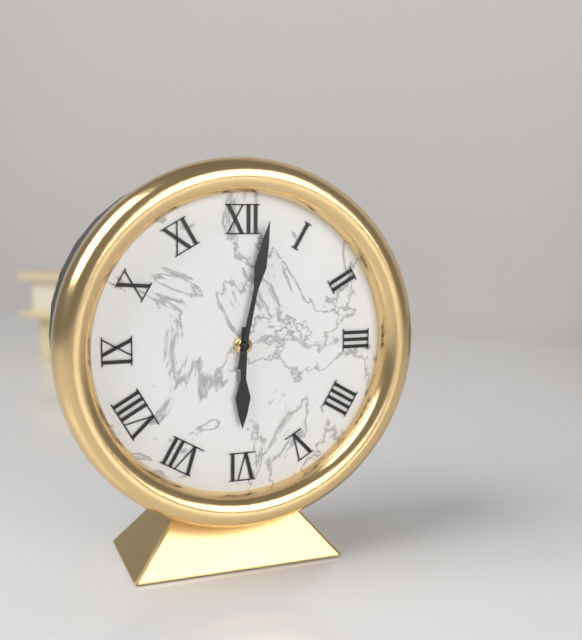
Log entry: 6,02
